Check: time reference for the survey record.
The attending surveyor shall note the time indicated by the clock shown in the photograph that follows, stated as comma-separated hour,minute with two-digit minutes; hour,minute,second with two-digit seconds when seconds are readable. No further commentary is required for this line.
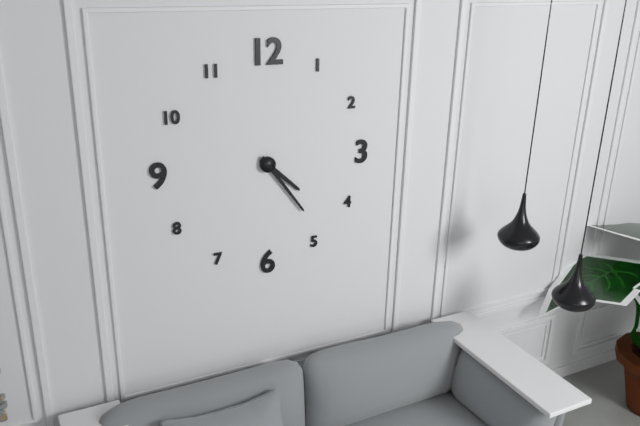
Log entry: 4,24
